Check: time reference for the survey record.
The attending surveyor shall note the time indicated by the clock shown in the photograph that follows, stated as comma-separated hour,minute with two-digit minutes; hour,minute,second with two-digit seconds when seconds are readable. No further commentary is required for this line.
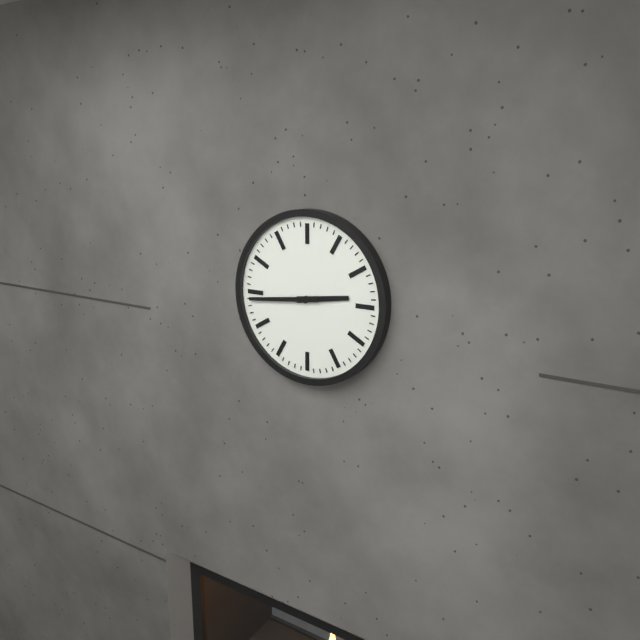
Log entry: 2,44
